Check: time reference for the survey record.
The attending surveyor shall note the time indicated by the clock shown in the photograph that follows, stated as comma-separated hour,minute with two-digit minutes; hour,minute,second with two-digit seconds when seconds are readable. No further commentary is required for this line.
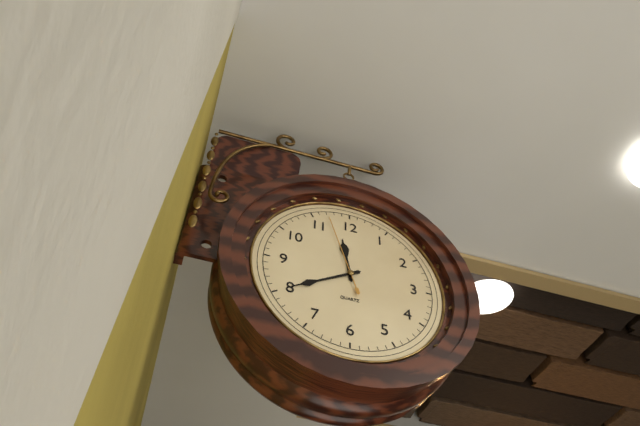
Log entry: 11,40,57
